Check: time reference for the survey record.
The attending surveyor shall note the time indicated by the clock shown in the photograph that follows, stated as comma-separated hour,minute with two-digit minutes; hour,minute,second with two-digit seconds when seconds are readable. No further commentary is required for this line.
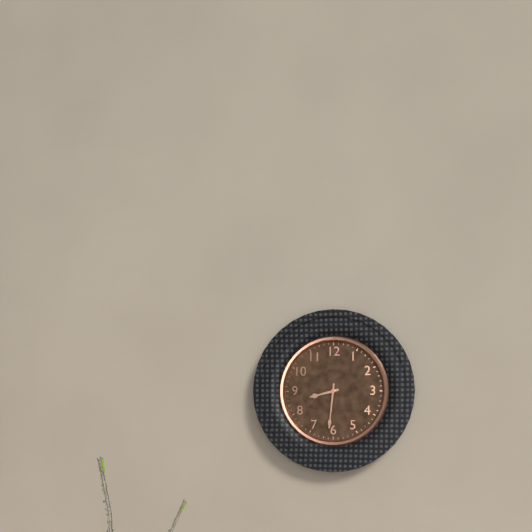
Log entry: 8,31
